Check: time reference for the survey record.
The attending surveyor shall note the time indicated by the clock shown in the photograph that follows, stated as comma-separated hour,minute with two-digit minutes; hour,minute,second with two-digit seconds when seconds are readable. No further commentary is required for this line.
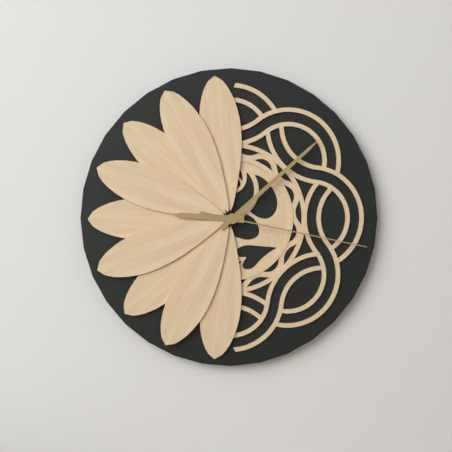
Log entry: 9,08,17
